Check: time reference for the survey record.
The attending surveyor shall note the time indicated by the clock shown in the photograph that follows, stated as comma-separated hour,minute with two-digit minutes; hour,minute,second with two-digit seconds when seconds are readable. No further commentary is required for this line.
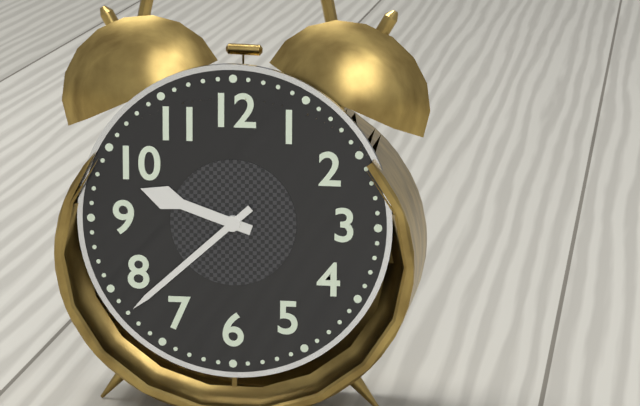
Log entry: 9,38
